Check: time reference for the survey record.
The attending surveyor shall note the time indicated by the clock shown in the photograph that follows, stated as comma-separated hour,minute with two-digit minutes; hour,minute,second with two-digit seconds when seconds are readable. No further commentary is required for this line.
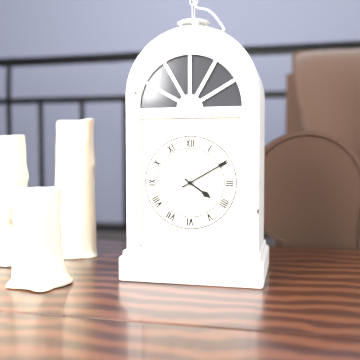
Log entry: 4,10
